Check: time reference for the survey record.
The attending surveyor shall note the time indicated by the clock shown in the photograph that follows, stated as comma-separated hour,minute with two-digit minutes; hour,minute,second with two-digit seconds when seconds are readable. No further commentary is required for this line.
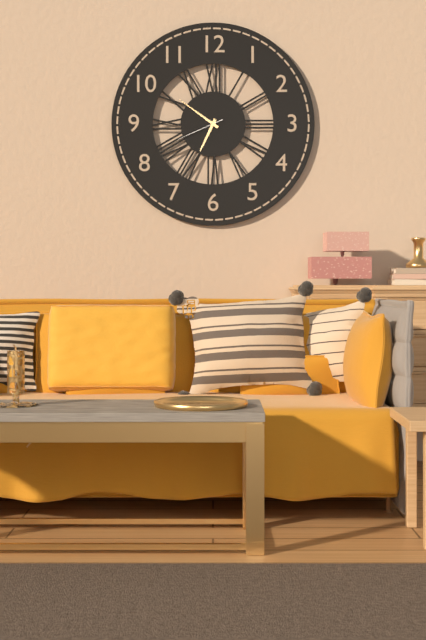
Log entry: 6,51
